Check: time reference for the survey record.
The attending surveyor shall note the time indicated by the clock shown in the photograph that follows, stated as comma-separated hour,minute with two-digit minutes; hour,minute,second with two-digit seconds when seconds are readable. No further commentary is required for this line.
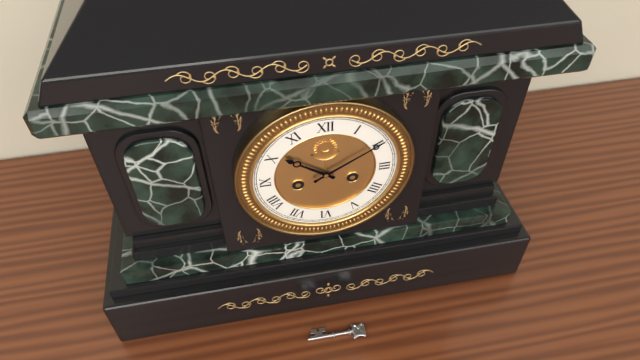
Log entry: 10,10
